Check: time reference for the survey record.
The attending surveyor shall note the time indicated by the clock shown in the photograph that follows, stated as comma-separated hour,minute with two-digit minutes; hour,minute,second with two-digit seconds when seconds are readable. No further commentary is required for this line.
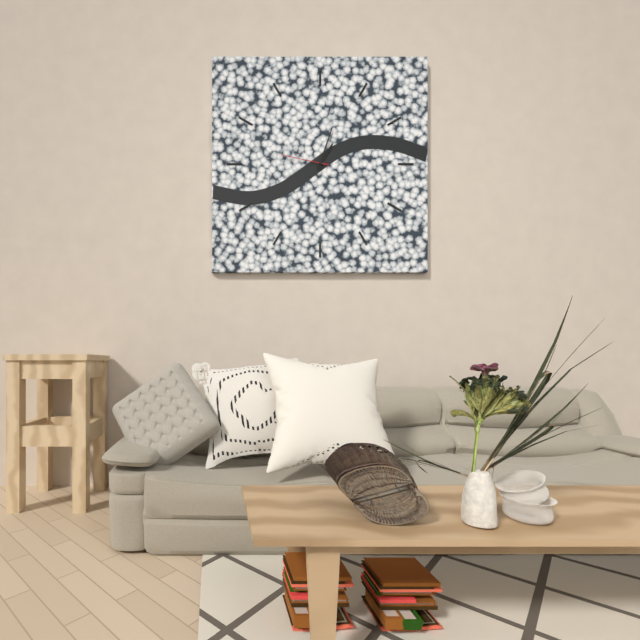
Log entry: 1,03
